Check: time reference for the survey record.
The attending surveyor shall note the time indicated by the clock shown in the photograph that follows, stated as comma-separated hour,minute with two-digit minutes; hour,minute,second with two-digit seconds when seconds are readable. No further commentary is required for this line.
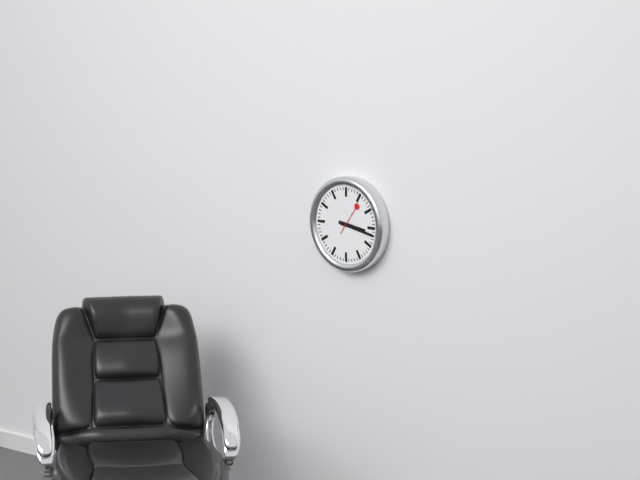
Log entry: 3,17
